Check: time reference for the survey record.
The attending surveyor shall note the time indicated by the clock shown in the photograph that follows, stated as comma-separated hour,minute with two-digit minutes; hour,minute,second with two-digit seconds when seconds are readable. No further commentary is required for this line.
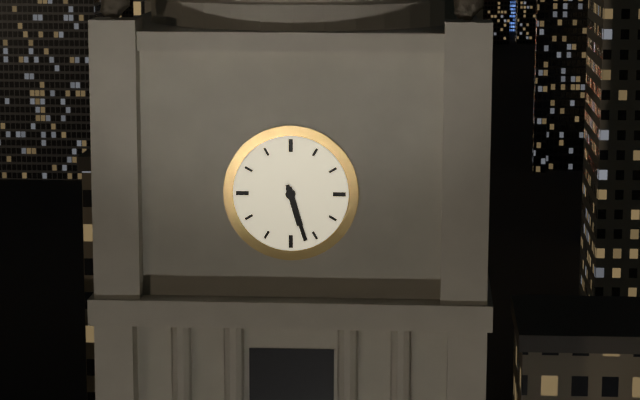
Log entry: 5,27
